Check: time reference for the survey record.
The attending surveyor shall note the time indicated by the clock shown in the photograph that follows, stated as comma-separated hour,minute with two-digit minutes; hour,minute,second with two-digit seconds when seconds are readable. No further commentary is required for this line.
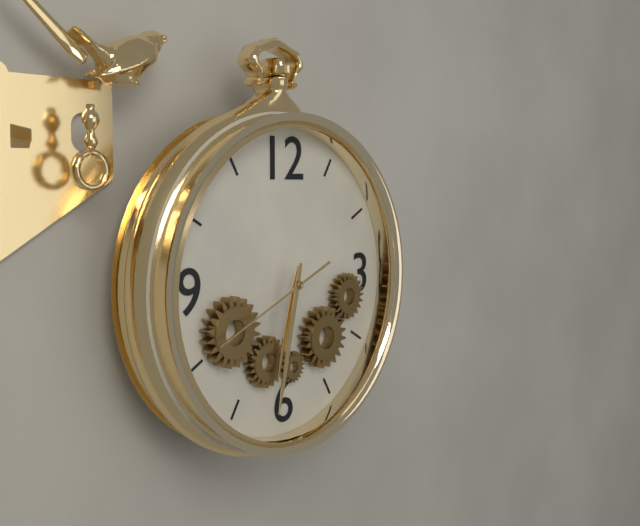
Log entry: 6,32,41
